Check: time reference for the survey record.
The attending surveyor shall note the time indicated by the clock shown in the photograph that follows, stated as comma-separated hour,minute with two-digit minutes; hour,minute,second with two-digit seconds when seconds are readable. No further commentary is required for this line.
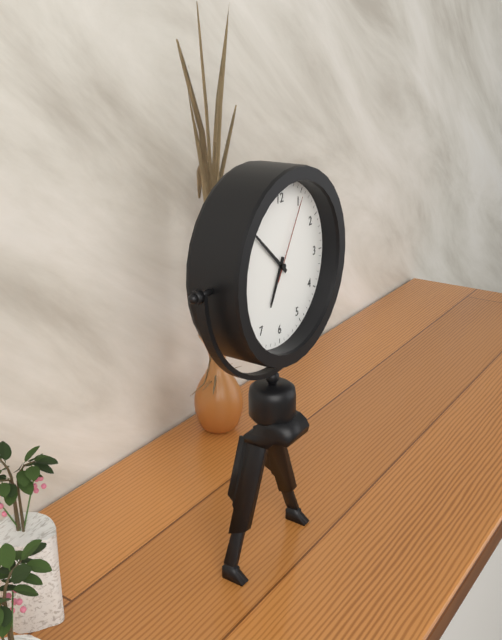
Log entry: 6,52,05
